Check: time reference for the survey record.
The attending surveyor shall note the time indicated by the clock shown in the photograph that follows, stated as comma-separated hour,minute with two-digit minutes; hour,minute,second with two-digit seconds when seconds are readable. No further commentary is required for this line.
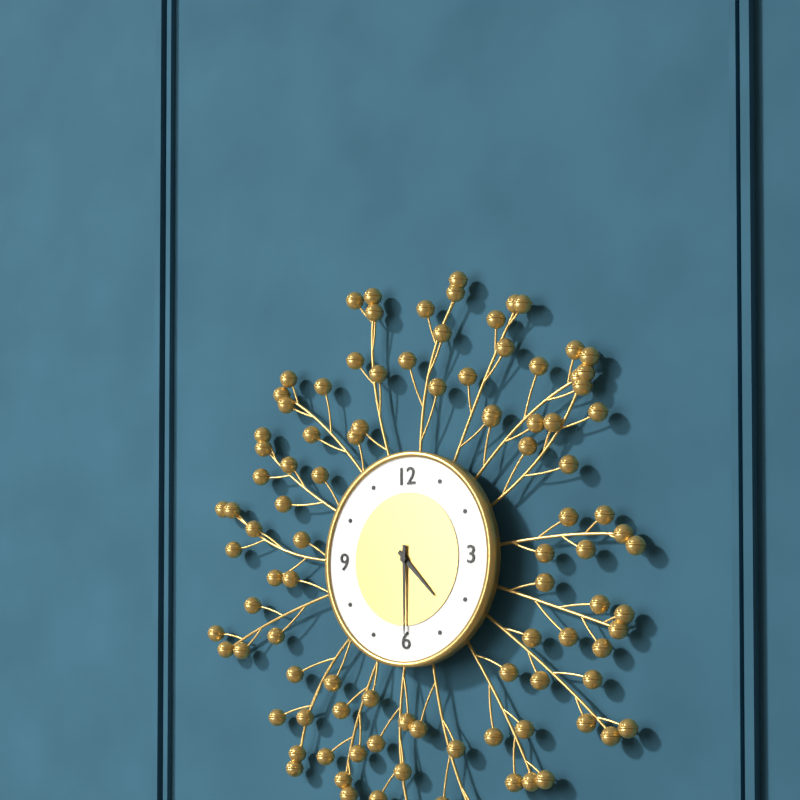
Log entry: 4,30
